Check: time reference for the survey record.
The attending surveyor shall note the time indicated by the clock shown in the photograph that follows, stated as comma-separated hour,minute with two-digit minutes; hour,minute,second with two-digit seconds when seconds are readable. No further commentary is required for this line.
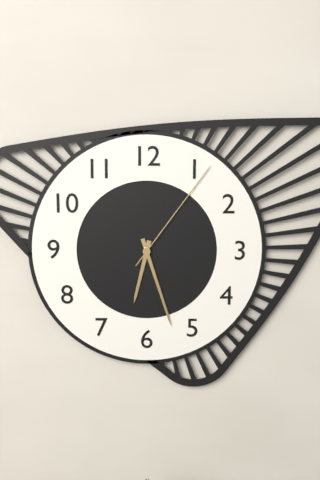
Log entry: 6,27,06
